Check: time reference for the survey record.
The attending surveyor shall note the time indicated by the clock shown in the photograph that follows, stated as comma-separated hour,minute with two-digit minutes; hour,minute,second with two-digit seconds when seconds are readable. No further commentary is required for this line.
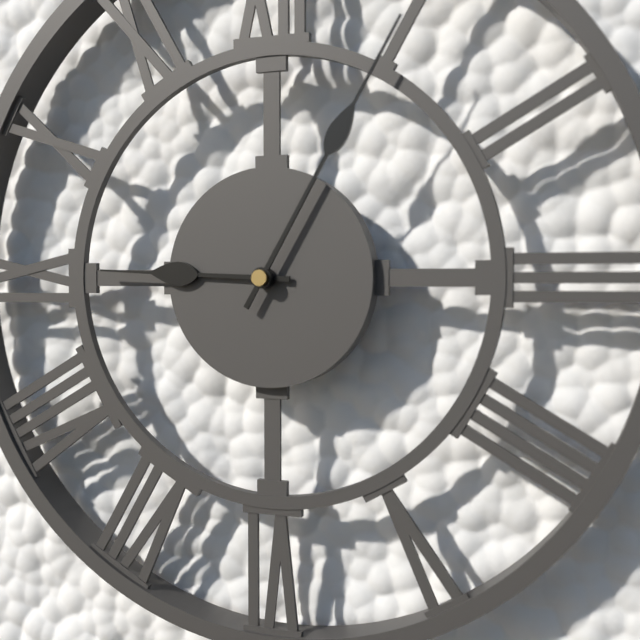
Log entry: 9,05
